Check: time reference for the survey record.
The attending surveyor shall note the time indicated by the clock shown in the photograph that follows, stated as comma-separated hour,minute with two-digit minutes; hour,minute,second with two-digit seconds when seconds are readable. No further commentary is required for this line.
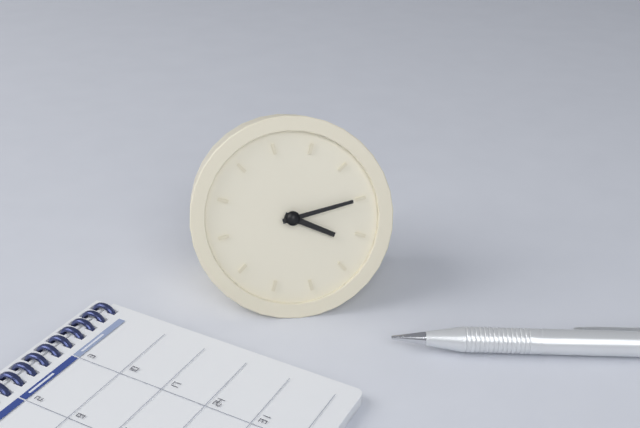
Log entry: 4,15
